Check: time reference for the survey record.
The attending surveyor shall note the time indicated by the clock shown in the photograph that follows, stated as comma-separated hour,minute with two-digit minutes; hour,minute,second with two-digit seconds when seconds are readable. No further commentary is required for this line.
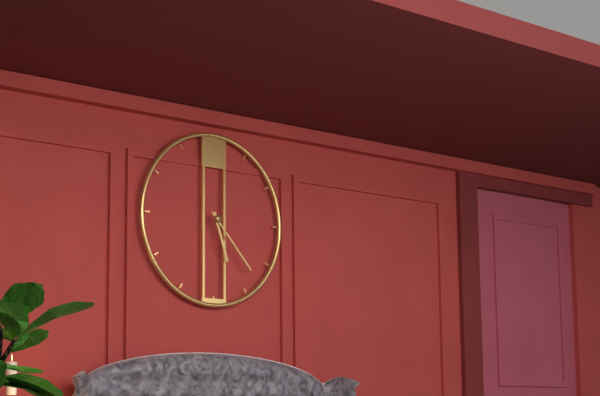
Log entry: 5,23
